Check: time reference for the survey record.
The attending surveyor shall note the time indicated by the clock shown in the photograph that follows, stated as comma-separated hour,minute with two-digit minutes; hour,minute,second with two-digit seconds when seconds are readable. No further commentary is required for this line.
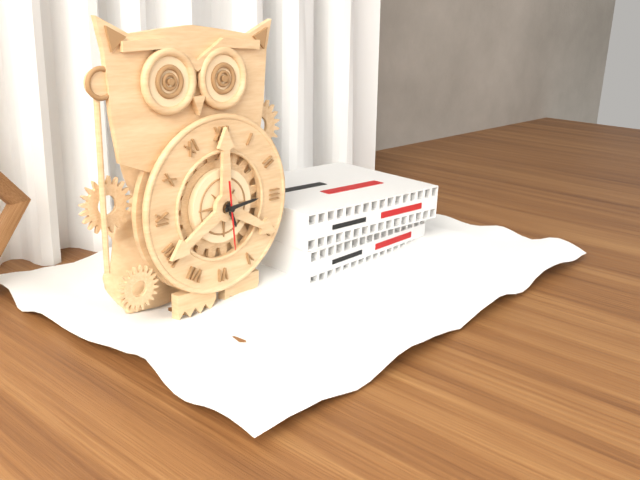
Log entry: 5,14,29
